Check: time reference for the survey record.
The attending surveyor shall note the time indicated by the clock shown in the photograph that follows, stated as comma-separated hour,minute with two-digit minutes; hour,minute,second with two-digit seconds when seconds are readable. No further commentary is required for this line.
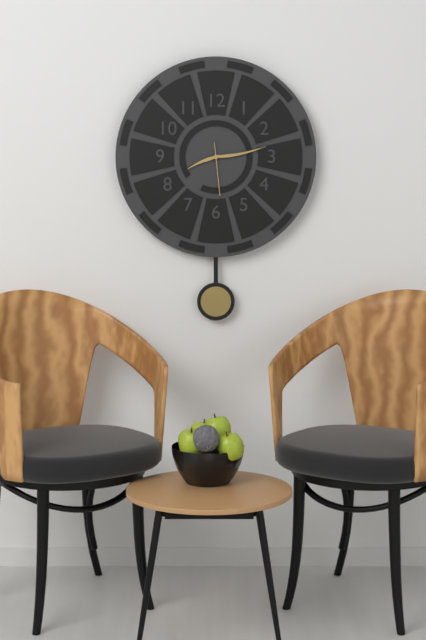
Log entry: 8,13
